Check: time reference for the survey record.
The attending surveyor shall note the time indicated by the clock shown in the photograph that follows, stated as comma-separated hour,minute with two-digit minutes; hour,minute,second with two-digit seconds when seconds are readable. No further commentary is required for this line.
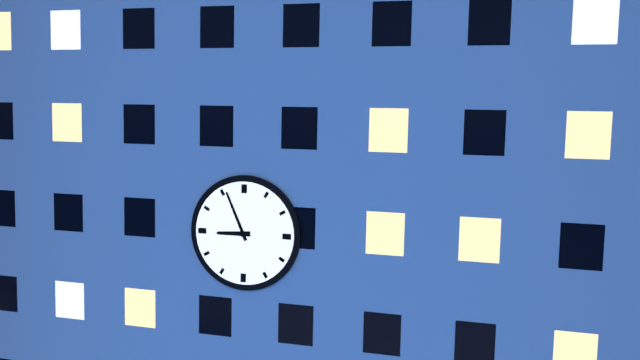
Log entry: 8,56
